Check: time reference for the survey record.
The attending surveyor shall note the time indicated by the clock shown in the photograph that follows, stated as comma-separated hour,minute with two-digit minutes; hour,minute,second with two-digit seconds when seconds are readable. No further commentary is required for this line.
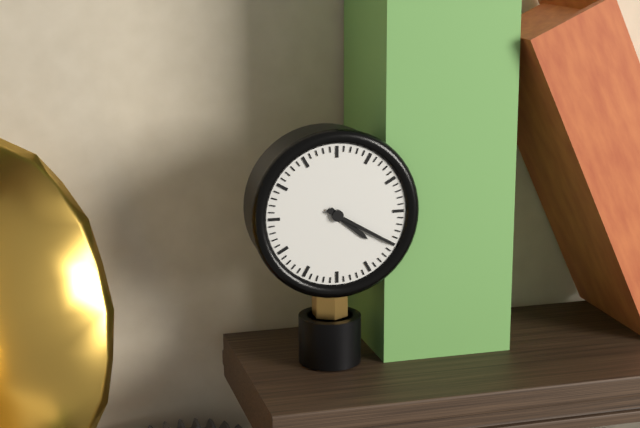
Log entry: 4,20
